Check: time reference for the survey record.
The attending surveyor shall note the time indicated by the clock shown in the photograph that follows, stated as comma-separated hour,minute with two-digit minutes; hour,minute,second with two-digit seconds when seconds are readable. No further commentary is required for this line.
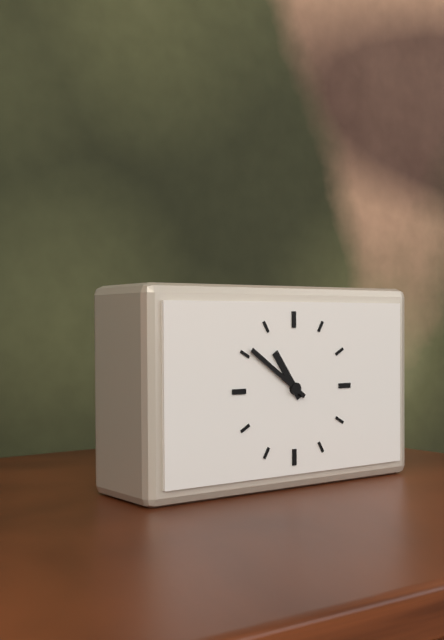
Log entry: 10,51
